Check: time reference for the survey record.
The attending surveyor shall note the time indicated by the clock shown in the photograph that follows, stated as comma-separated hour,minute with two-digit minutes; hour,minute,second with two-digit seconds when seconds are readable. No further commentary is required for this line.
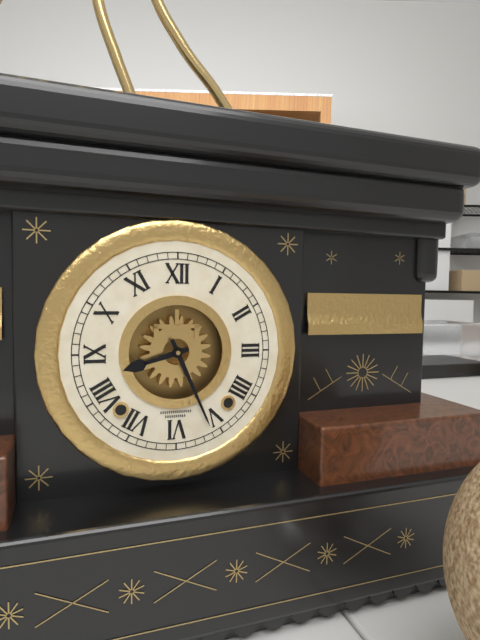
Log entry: 8,26
